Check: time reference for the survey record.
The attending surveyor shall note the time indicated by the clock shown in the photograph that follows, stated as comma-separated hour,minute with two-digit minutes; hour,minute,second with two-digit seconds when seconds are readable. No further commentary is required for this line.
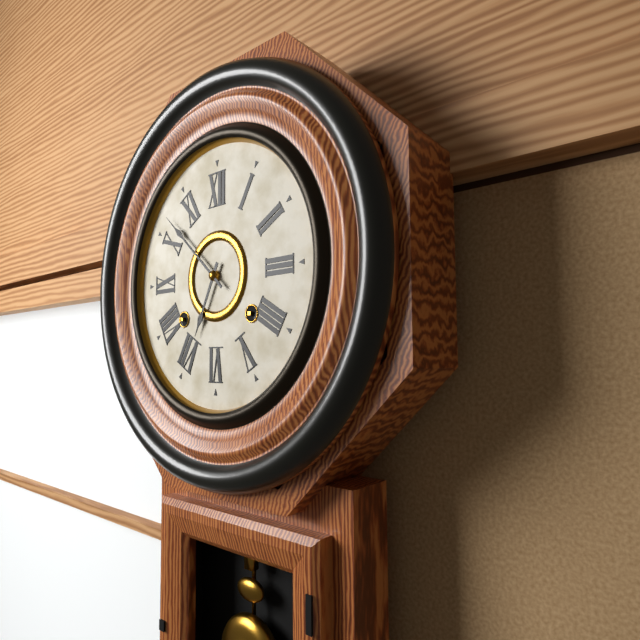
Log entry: 6,52
